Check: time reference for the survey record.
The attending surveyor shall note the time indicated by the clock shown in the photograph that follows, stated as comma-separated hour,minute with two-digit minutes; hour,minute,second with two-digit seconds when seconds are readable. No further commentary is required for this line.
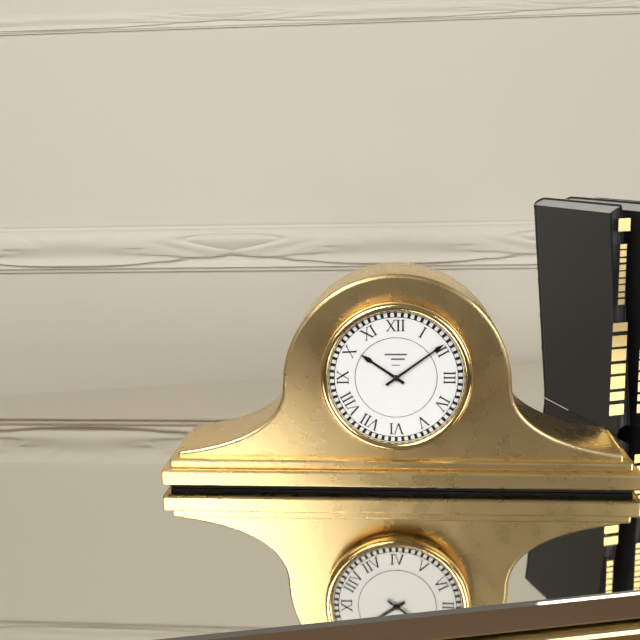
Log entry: 10,09
